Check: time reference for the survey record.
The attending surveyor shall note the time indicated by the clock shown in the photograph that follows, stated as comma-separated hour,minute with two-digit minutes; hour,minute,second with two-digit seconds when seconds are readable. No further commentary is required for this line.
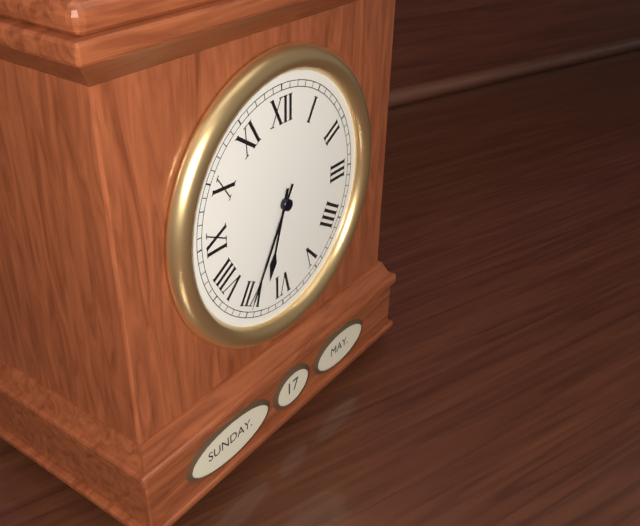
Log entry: 6,35
